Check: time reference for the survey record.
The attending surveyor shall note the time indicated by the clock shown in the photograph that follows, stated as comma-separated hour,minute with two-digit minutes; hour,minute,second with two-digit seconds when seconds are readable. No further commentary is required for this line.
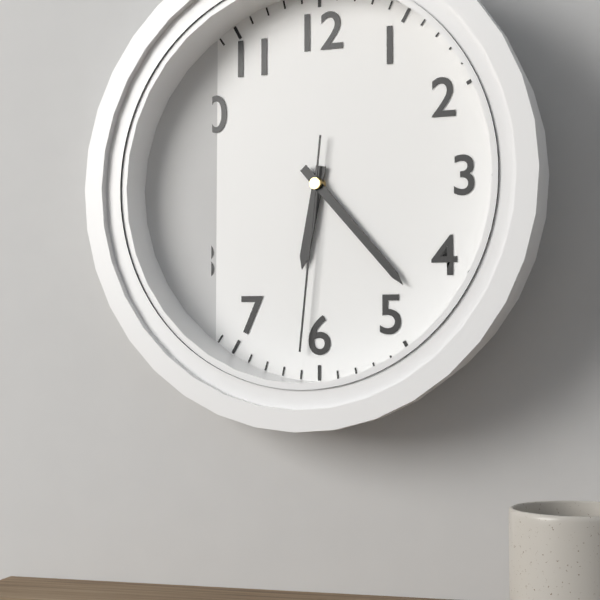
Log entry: 6,23,31
